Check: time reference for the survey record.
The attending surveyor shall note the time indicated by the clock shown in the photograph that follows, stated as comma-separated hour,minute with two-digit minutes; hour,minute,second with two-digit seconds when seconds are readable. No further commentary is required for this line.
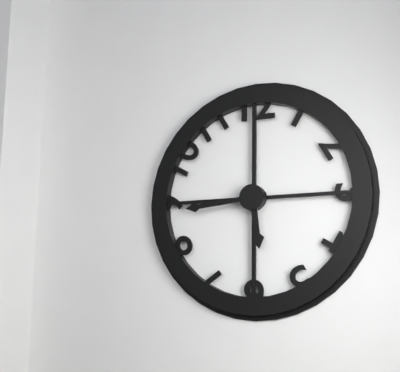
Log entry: 5,44
